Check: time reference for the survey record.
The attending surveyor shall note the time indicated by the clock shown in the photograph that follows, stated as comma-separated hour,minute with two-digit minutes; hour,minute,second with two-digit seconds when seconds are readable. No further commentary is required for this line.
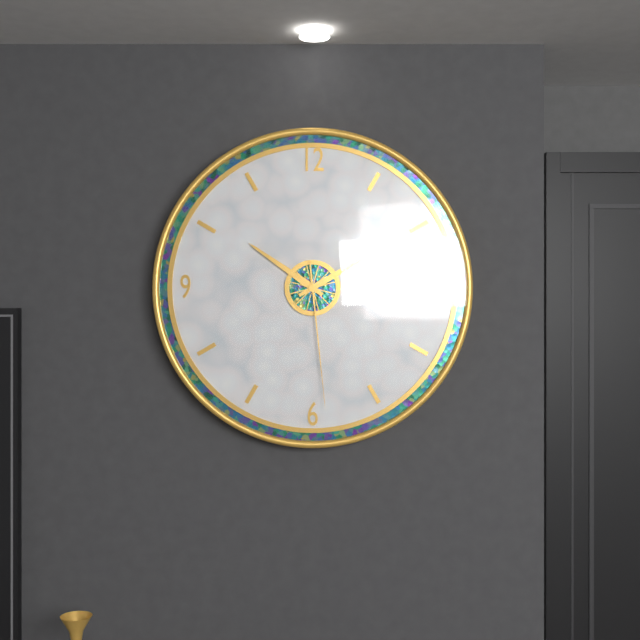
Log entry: 10,10,29
